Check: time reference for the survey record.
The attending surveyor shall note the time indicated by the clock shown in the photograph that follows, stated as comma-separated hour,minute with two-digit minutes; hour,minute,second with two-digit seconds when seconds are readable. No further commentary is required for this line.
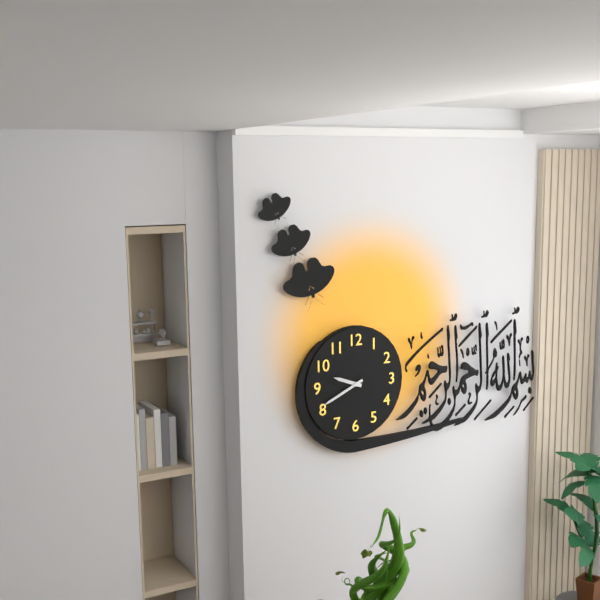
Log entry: 9,41
